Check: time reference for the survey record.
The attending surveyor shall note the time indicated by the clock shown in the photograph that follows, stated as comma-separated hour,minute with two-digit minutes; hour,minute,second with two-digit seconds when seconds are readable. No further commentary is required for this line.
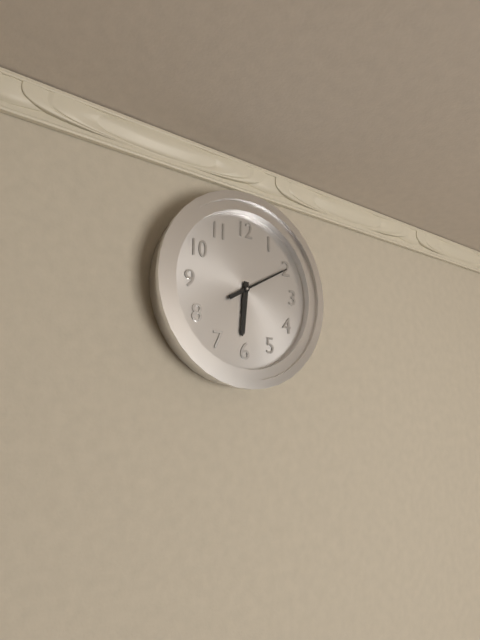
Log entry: 6,10
